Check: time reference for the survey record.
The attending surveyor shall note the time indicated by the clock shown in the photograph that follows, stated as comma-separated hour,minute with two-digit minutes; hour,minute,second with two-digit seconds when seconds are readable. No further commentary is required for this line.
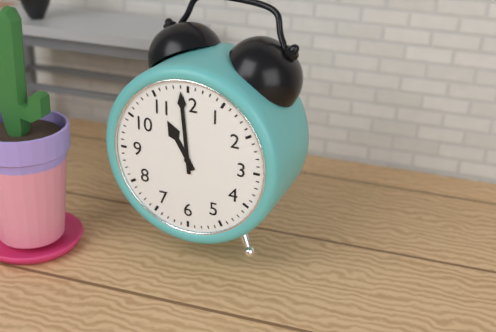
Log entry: 10,59
